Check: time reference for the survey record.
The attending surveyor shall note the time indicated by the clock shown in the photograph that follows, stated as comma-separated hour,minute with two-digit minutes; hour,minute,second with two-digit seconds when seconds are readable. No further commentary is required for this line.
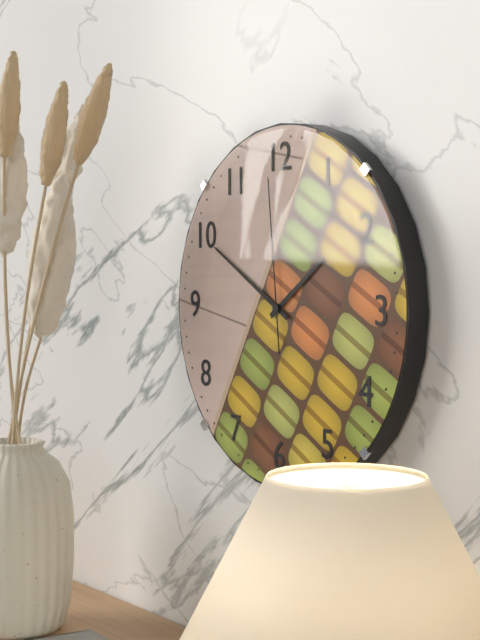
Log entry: 1,50,59
